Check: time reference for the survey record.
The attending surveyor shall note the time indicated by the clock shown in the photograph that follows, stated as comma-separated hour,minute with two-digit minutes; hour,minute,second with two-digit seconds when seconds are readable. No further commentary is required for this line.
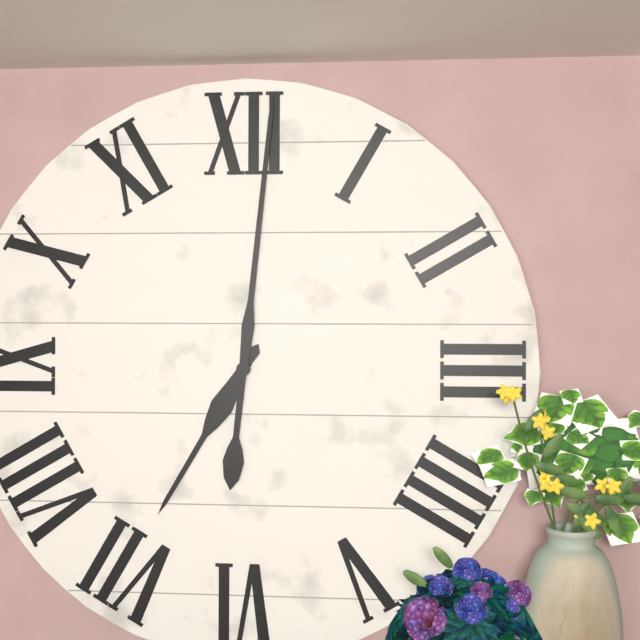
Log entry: 7,01
